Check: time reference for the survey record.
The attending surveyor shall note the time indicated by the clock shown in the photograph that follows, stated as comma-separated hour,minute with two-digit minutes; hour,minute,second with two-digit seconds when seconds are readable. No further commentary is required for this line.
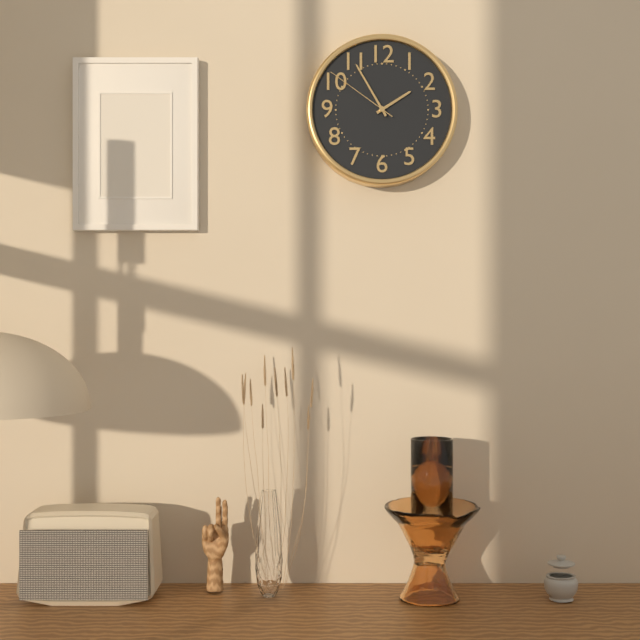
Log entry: 1,55,51
